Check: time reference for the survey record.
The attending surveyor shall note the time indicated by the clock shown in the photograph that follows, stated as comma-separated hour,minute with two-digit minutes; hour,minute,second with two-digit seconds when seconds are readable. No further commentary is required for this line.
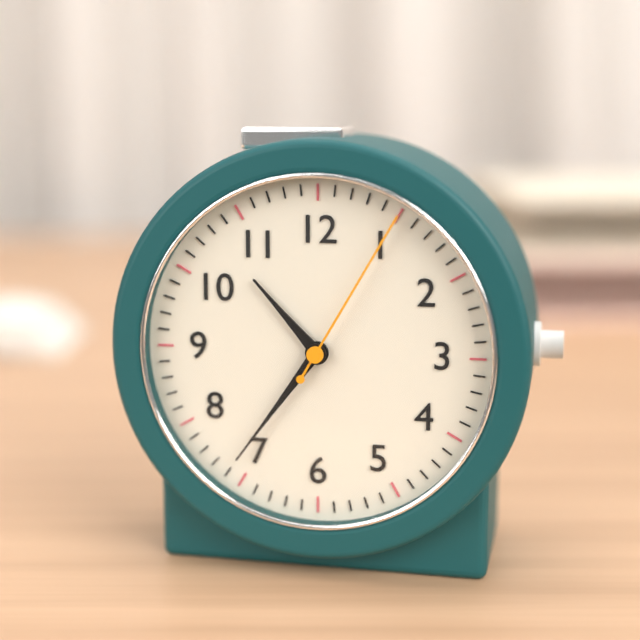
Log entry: 10,36,05
